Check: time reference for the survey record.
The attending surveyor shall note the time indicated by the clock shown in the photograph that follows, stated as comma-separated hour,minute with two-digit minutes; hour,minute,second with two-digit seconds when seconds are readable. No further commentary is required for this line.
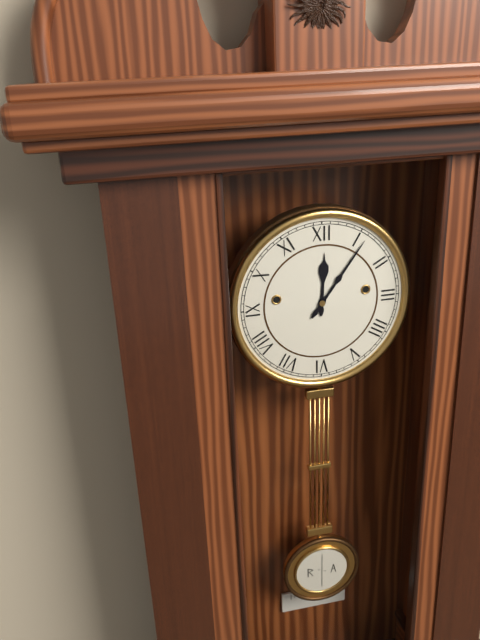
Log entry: 12,06
